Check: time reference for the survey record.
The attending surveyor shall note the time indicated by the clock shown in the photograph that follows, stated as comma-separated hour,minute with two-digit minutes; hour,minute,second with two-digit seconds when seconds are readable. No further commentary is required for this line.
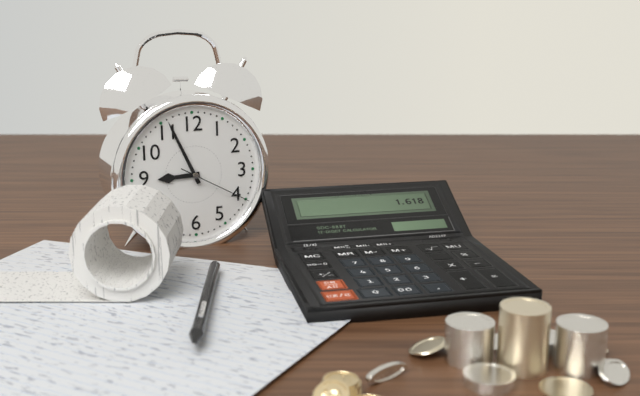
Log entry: 8,56,20
